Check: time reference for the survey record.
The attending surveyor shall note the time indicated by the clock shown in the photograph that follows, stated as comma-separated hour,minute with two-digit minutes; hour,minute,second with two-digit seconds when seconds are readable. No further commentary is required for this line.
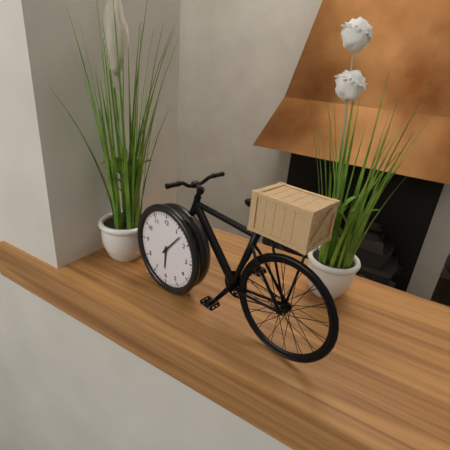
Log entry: 6,07
